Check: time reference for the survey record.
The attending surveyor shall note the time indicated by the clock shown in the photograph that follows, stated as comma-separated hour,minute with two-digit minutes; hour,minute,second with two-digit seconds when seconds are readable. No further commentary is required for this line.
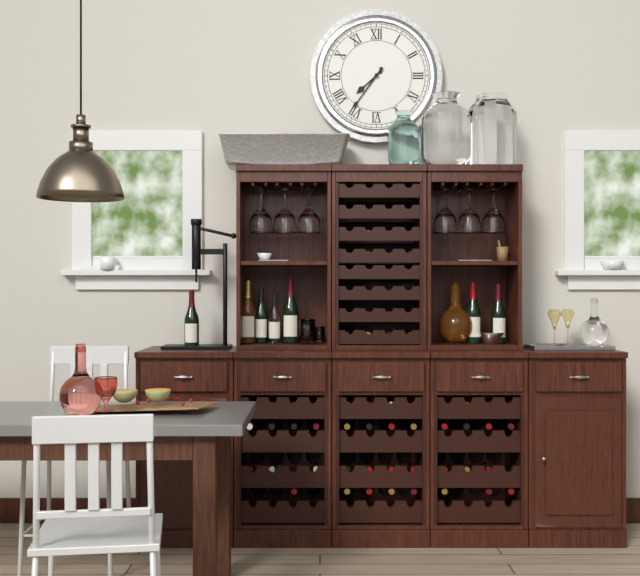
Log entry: 7,36
